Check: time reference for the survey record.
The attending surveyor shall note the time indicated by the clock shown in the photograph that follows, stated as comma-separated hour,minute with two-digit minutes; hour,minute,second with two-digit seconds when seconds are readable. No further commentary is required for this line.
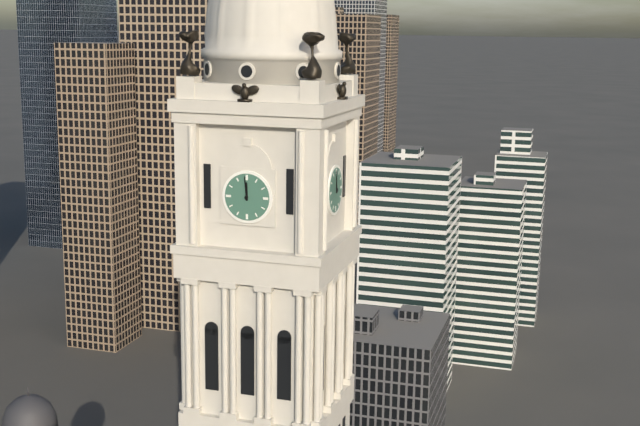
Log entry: 11,59
